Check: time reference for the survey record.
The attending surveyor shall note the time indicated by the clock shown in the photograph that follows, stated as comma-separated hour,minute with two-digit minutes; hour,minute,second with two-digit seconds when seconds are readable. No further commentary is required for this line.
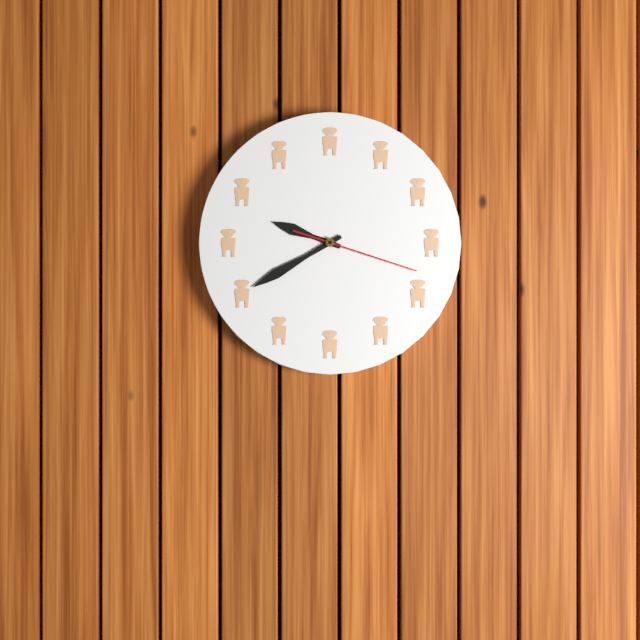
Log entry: 9,40,18
